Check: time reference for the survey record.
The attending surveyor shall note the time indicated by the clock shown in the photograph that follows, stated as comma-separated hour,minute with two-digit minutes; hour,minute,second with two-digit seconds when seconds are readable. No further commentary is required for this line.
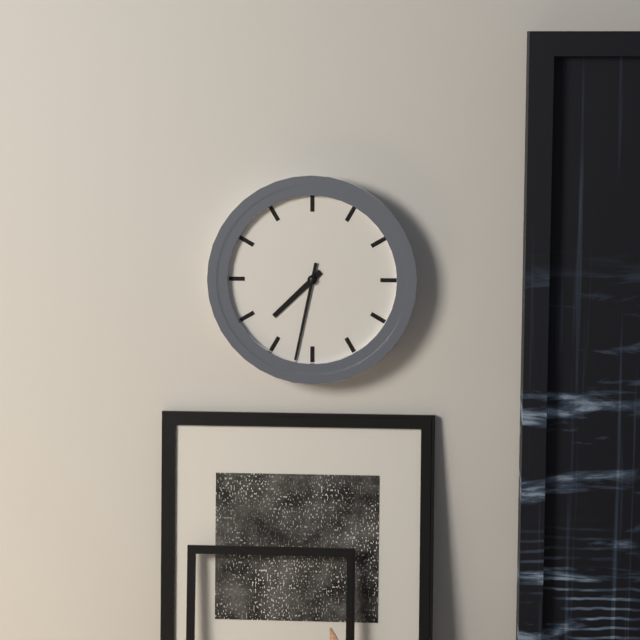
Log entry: 7,32
